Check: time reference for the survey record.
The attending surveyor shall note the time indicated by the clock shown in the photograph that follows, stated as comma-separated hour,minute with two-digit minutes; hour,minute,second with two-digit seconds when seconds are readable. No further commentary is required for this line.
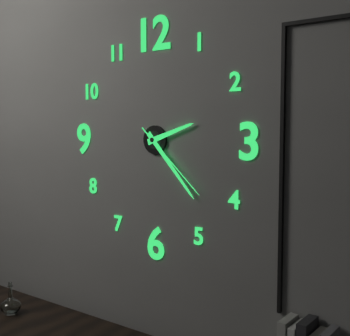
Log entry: 2,23,22
